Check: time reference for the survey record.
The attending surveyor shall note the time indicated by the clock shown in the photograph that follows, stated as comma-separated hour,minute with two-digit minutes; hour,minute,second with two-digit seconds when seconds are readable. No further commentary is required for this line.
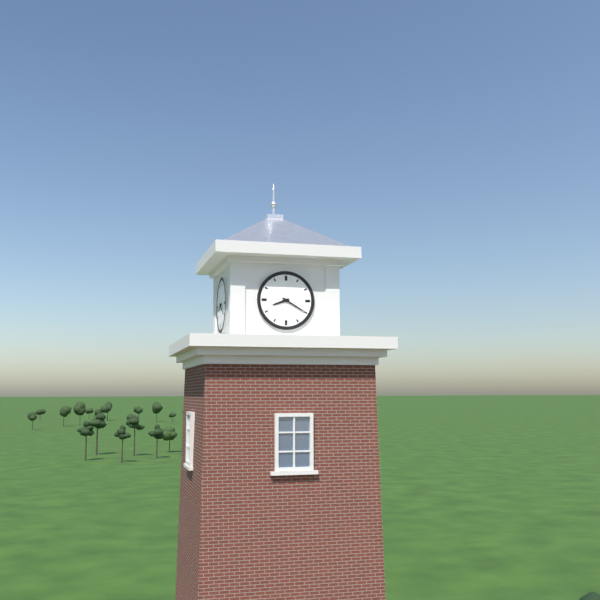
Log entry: 8,20
